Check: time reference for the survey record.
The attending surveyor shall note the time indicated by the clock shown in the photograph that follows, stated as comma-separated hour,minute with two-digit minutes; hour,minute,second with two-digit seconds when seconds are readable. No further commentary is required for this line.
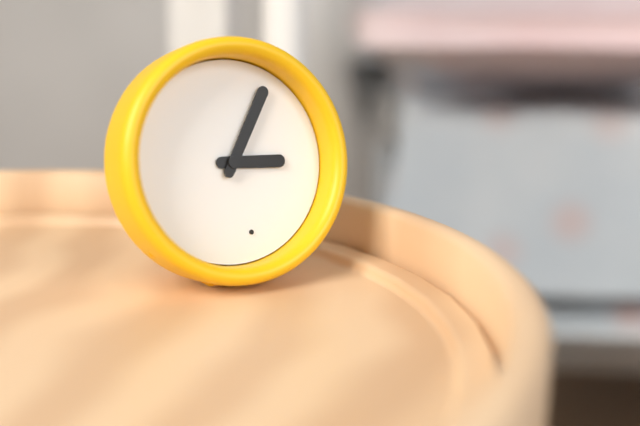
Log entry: 3,05
